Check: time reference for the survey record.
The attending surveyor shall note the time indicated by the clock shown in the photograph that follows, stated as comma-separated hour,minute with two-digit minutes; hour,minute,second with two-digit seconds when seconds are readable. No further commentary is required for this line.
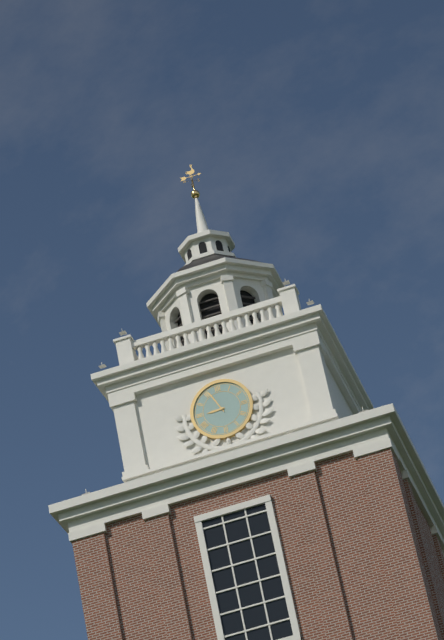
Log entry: 8,56
